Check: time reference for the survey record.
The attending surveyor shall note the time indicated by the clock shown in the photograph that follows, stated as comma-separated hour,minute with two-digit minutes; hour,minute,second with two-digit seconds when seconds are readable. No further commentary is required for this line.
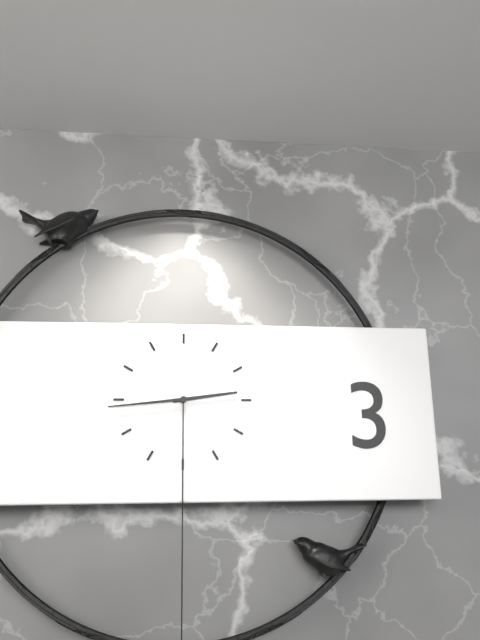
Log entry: 2,44
